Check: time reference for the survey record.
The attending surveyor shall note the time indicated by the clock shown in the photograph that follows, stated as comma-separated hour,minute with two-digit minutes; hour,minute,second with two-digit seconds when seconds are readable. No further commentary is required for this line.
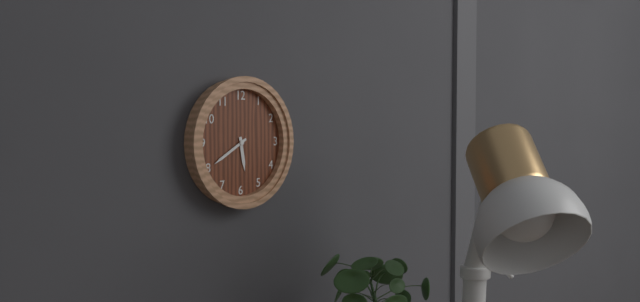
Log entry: 5,40
